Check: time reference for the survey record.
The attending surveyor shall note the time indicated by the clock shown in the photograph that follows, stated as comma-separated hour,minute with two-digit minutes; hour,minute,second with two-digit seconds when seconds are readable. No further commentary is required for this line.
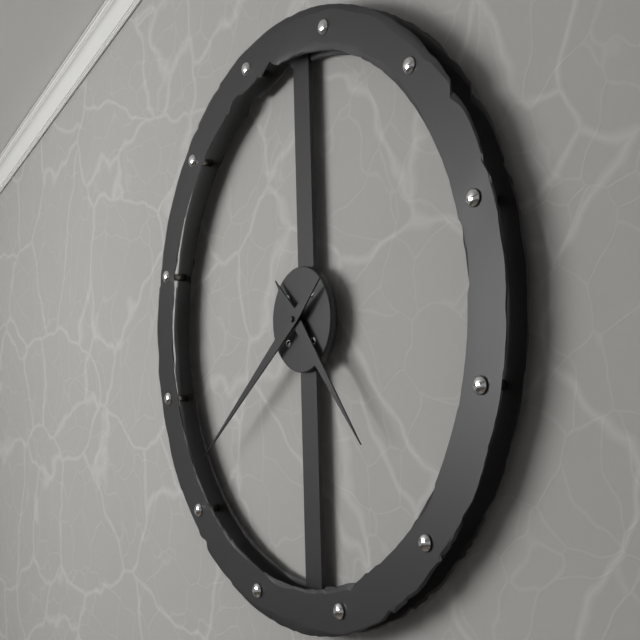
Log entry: 4,39
